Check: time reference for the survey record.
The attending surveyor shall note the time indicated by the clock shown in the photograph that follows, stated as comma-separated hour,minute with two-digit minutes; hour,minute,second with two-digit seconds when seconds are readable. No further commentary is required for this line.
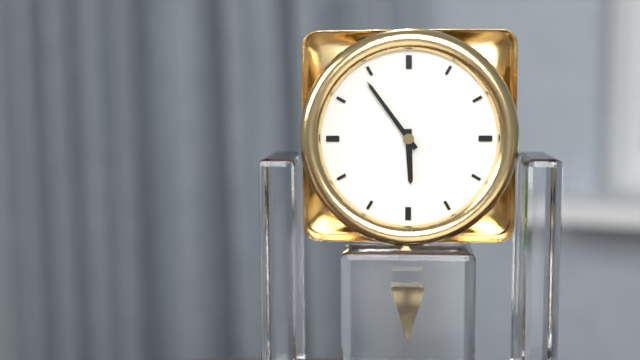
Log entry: 5,54
